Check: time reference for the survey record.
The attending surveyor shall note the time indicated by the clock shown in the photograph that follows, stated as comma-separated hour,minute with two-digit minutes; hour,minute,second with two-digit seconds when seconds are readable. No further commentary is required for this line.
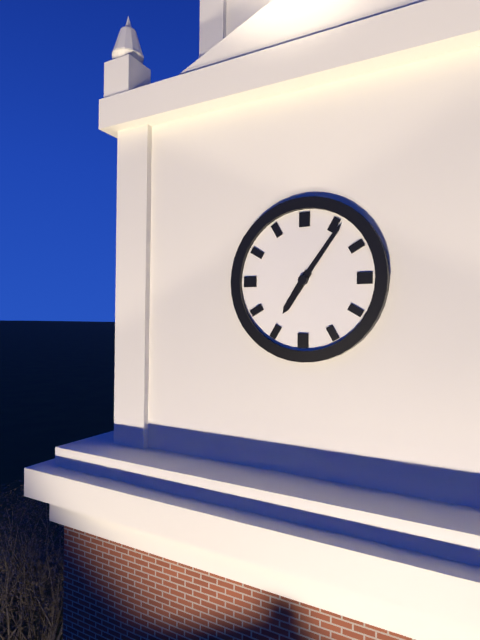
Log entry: 7,06
